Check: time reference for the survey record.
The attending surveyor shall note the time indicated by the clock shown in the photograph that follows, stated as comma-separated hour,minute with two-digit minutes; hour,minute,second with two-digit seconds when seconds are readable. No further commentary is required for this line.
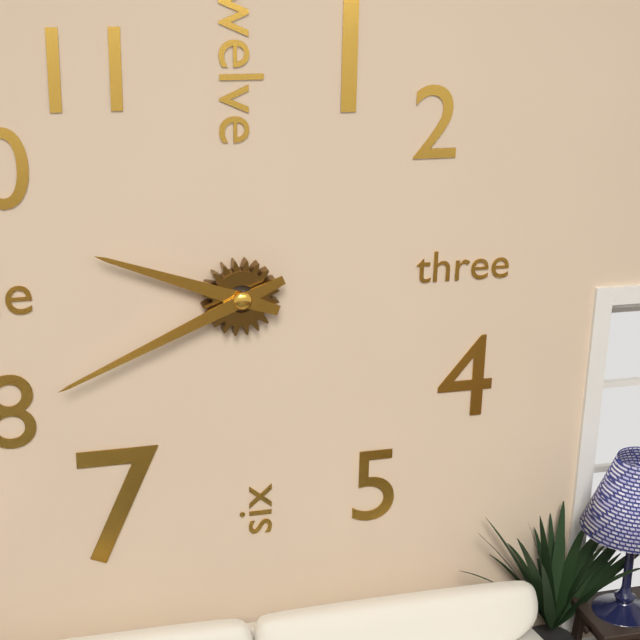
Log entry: 9,41
